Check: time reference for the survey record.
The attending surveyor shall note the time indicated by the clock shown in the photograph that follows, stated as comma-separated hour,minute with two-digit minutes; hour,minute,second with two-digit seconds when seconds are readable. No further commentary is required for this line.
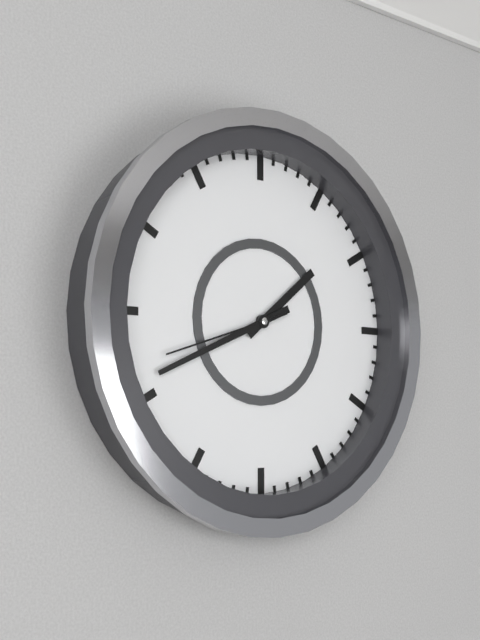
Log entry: 1,41,42
